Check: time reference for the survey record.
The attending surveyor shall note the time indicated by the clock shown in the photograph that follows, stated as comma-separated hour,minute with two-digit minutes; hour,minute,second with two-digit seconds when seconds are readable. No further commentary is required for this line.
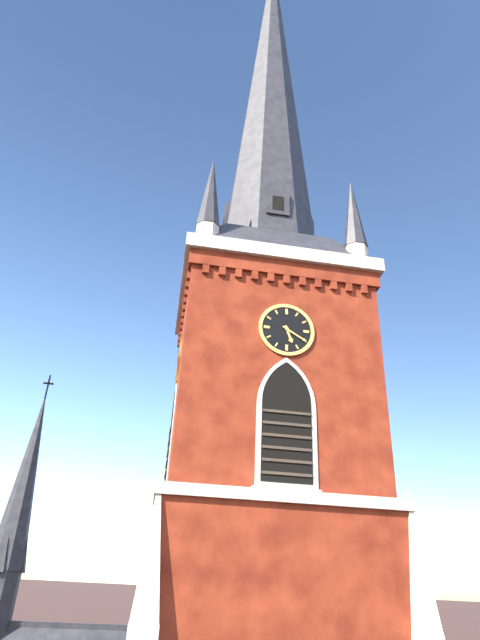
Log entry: 5,20
